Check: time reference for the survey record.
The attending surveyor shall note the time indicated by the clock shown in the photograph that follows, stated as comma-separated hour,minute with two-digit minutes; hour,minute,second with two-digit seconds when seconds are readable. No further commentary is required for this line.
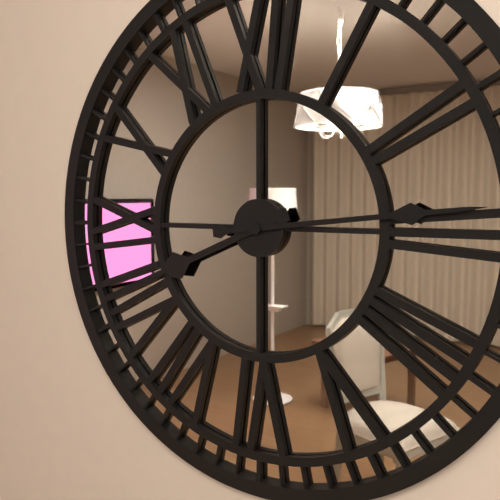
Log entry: 8,14
